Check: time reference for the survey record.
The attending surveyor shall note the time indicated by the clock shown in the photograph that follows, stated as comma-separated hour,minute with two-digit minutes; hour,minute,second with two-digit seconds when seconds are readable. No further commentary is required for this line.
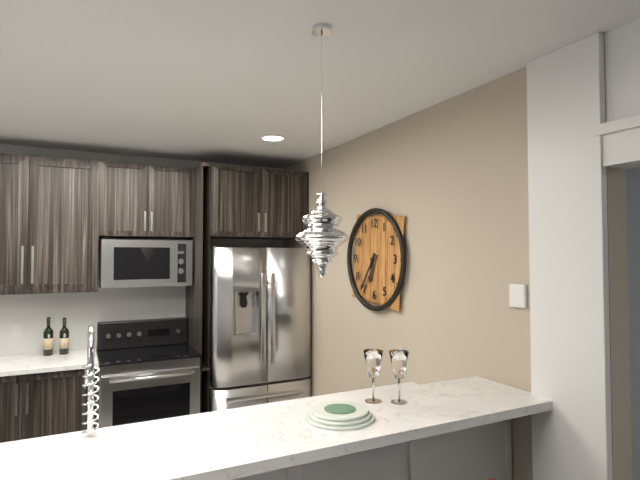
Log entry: 6,36
